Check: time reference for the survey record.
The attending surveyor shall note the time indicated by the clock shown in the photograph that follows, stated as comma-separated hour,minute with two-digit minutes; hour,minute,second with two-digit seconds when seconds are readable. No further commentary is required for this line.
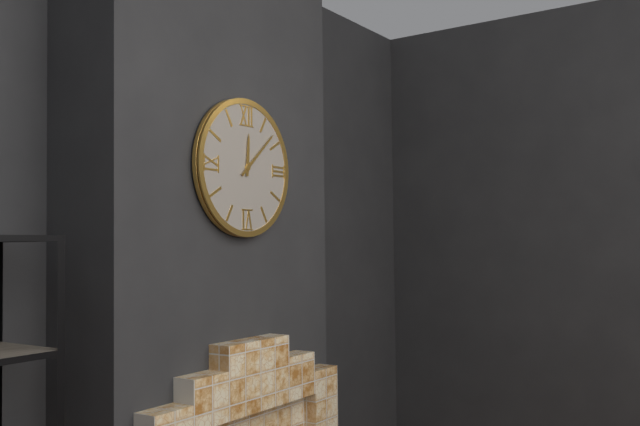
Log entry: 12,08
